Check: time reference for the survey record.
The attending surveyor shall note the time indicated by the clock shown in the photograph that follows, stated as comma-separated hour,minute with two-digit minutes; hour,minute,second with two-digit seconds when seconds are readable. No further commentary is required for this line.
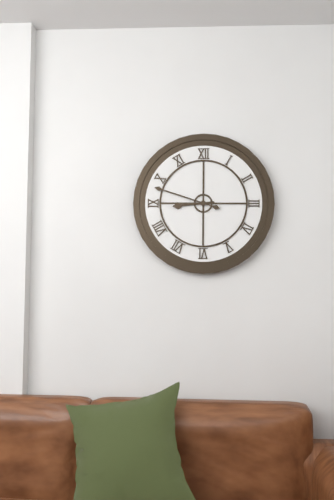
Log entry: 8,48
